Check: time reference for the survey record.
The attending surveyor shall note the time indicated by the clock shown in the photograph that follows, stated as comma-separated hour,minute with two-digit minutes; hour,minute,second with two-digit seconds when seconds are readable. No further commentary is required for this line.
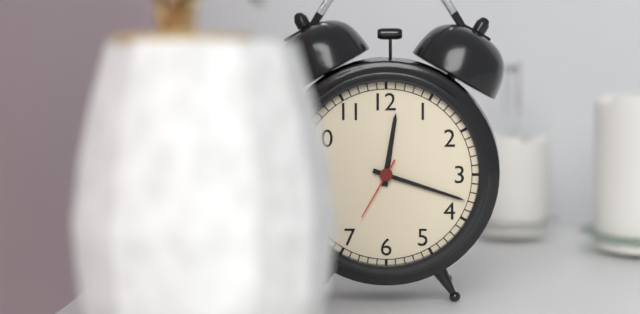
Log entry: 12,18,35
